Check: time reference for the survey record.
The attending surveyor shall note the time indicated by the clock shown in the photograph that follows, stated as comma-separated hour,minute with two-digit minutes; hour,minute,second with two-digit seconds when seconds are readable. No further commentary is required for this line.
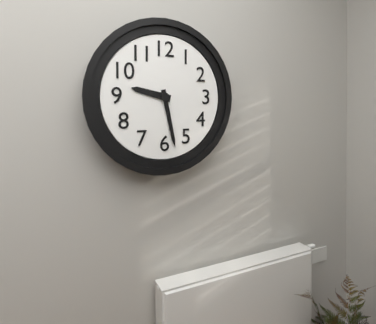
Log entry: 9,28
